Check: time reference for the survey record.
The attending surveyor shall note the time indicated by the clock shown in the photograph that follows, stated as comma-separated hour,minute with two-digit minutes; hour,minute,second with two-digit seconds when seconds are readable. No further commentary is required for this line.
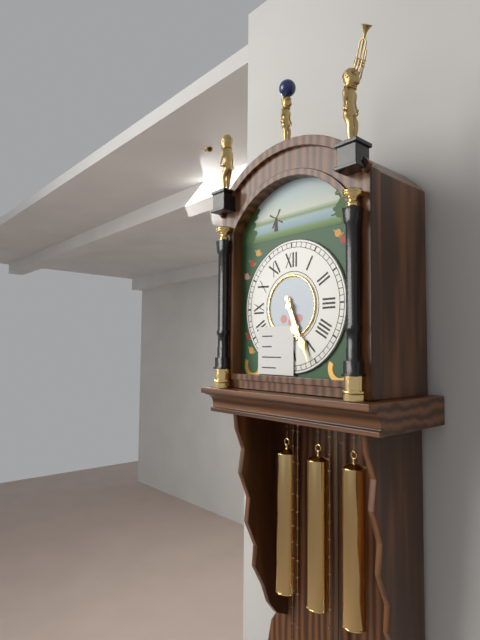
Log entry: 5,26
